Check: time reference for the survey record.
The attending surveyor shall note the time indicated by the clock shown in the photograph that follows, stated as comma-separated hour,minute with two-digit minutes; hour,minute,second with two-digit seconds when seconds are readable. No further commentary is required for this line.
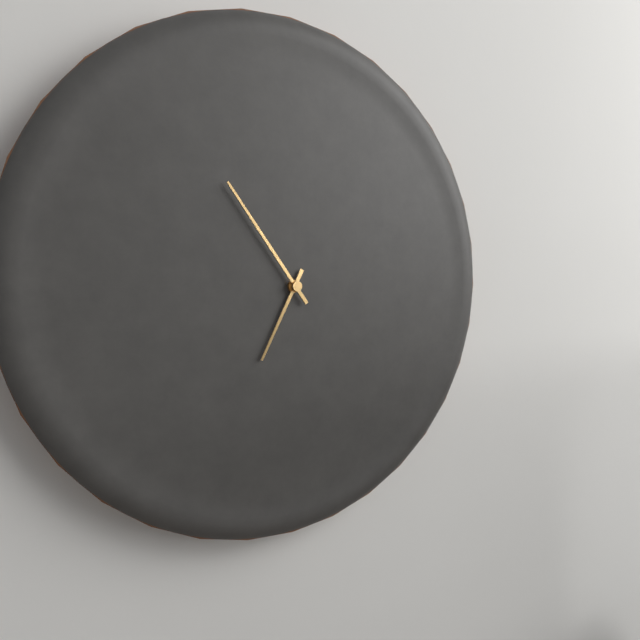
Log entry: 6,54
